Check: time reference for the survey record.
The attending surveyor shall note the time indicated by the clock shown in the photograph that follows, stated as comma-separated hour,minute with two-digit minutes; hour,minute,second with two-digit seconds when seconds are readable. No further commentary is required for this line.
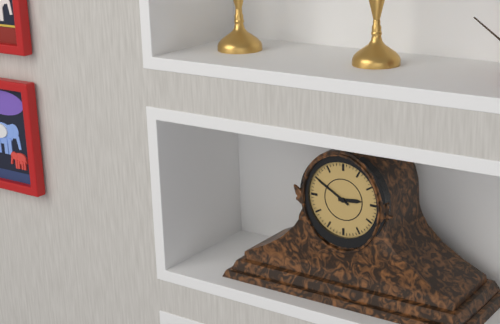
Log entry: 2,50
